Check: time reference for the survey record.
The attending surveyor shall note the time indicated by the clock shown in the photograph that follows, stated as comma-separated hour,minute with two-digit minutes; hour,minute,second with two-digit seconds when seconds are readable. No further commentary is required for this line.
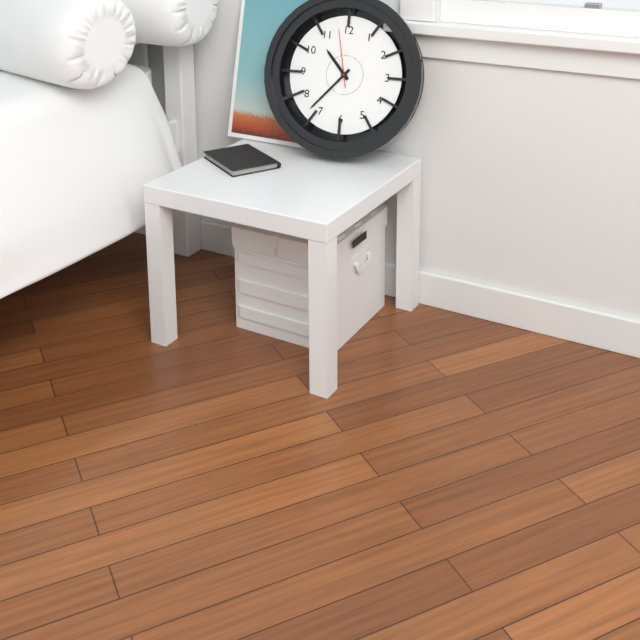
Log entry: 10,37,58
